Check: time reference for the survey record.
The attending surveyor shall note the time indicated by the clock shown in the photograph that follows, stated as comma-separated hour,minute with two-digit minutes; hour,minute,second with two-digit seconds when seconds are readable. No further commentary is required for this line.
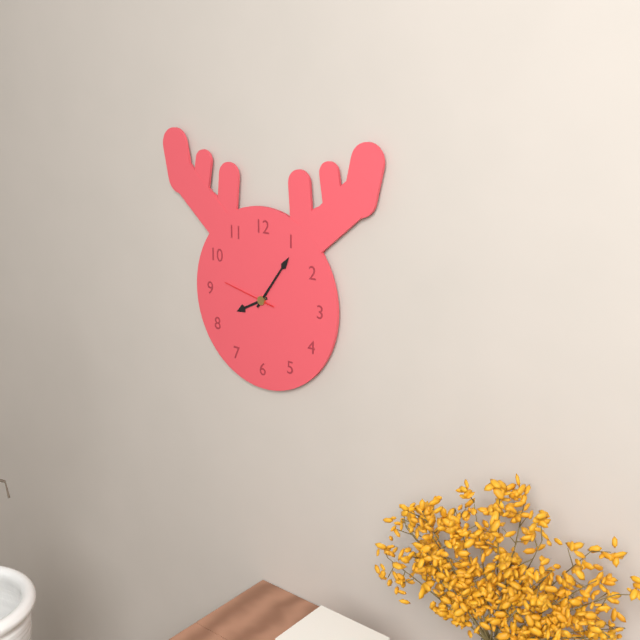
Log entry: 8,06,47
